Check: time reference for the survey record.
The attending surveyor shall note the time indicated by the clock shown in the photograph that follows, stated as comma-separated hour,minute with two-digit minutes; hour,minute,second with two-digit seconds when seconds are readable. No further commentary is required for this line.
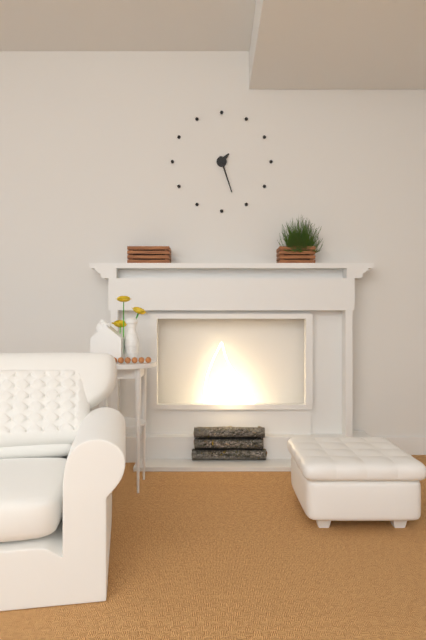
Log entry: 1,27
